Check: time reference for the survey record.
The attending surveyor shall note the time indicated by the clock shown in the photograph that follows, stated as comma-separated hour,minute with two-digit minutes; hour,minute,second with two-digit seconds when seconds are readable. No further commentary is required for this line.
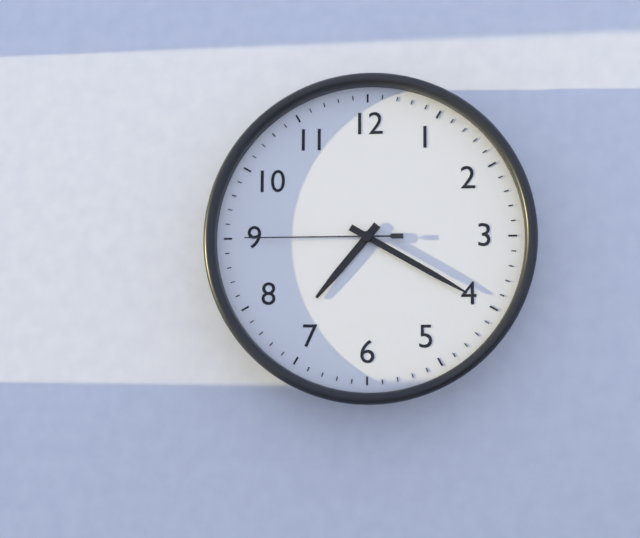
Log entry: 7,20,45
